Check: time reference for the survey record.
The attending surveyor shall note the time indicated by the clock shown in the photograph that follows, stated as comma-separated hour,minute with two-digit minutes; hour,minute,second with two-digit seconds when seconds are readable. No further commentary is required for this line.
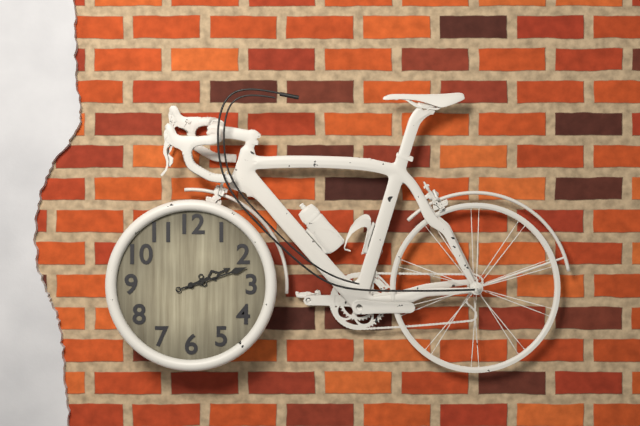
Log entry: 2,12
